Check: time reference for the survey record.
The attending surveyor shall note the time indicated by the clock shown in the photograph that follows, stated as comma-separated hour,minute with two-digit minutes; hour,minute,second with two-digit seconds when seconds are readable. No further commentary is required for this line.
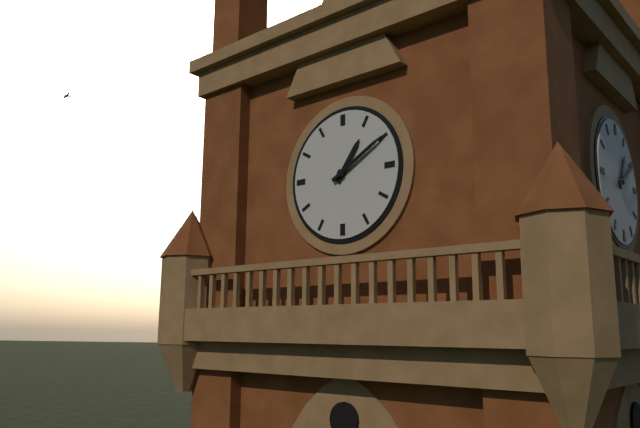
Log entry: 1,10
